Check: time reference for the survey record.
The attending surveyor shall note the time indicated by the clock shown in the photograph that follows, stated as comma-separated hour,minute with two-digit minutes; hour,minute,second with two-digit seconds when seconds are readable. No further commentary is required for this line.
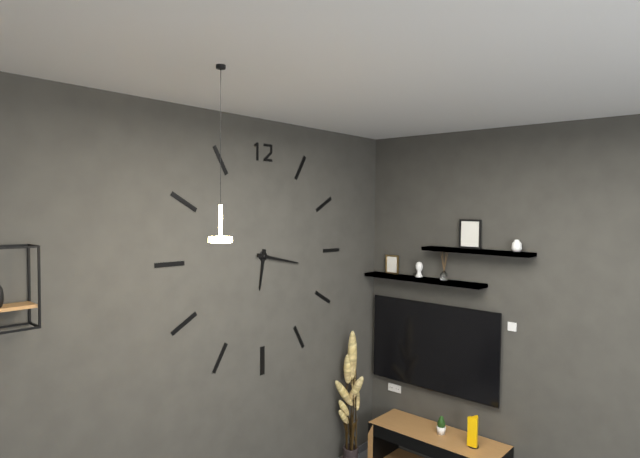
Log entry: 6,17
